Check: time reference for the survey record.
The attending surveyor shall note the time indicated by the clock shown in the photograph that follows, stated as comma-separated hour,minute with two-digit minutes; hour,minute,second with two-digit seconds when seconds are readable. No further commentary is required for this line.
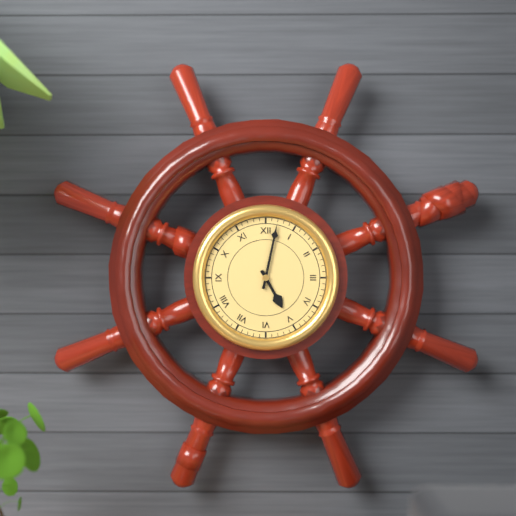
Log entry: 5,02
